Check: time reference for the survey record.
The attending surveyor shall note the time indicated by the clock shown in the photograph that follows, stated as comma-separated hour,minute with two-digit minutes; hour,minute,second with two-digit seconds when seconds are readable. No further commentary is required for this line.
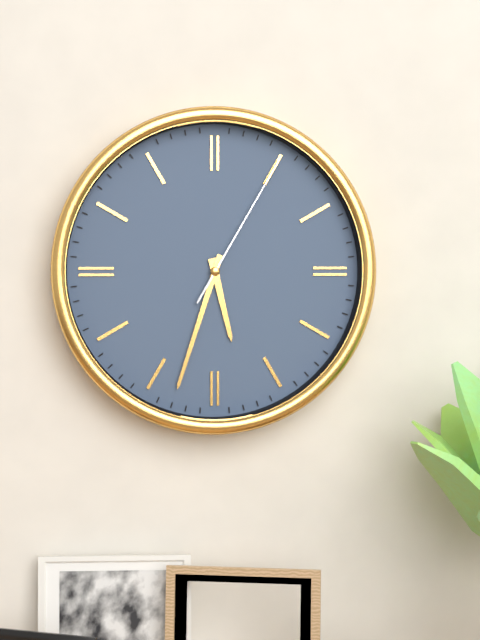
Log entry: 5,33,05
